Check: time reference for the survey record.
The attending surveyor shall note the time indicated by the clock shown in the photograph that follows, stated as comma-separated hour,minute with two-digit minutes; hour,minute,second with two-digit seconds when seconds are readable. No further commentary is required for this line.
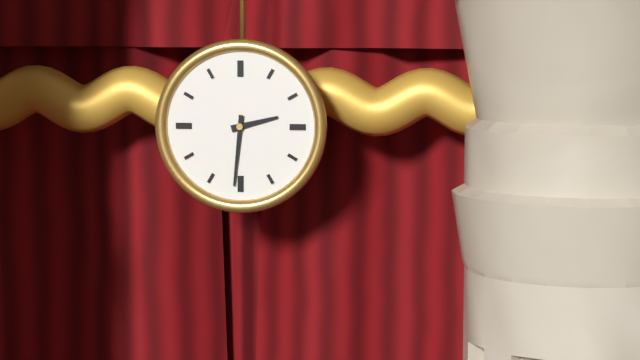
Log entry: 2,31
